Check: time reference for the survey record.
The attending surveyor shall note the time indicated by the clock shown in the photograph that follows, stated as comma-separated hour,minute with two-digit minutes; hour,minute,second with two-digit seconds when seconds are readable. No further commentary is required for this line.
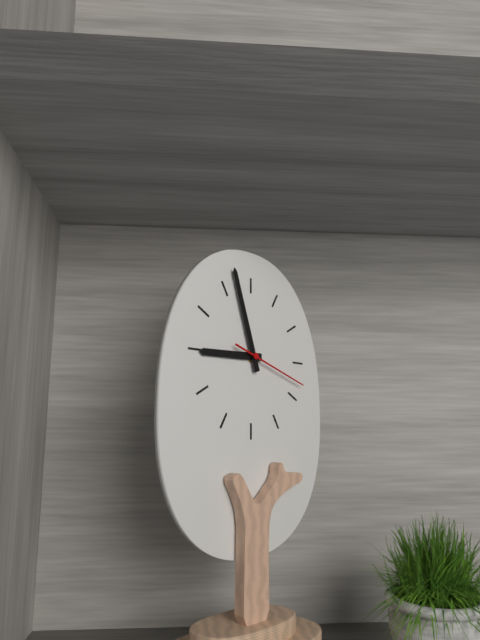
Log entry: 8,57,18
